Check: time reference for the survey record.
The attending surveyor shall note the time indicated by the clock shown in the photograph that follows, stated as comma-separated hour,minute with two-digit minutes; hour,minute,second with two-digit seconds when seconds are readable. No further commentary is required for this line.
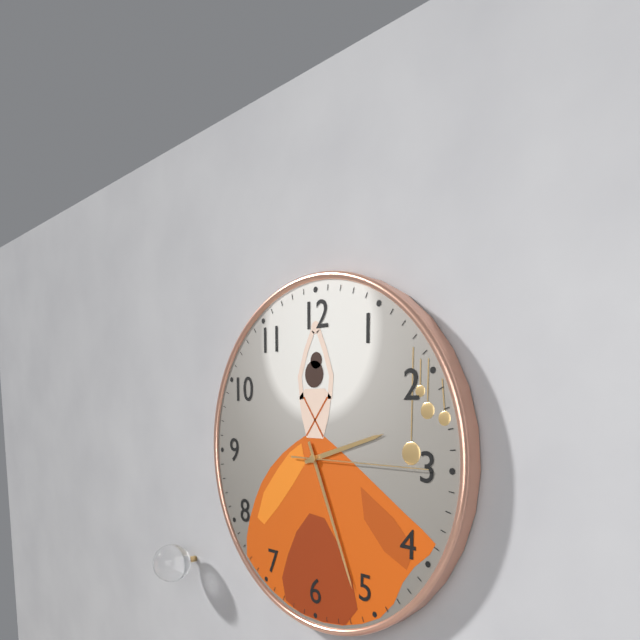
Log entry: 2,26,15
